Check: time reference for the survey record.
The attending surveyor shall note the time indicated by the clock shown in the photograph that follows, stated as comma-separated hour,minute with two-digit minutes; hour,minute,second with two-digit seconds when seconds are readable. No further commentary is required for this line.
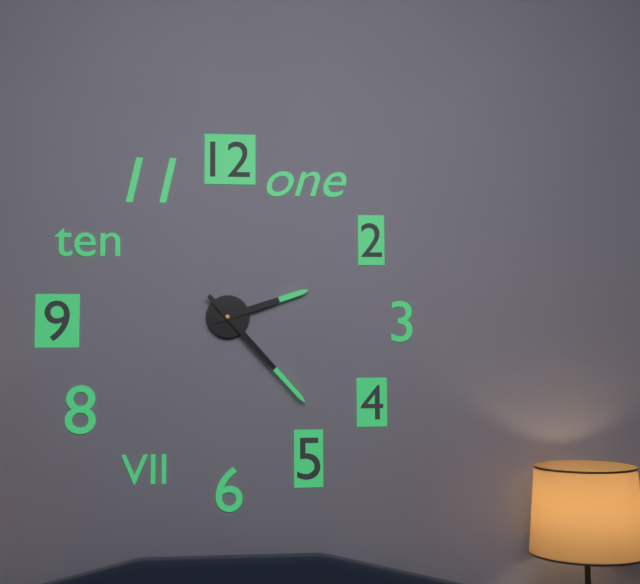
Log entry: 2,23
